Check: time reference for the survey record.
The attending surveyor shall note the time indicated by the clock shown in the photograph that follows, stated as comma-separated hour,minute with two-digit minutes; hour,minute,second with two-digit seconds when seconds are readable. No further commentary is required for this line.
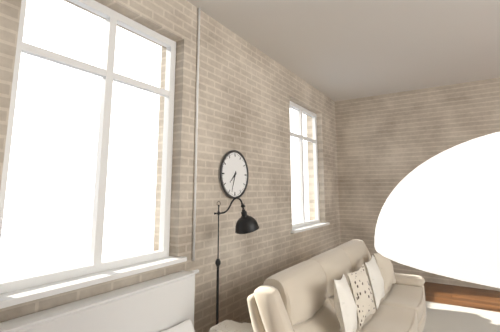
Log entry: 7,33
